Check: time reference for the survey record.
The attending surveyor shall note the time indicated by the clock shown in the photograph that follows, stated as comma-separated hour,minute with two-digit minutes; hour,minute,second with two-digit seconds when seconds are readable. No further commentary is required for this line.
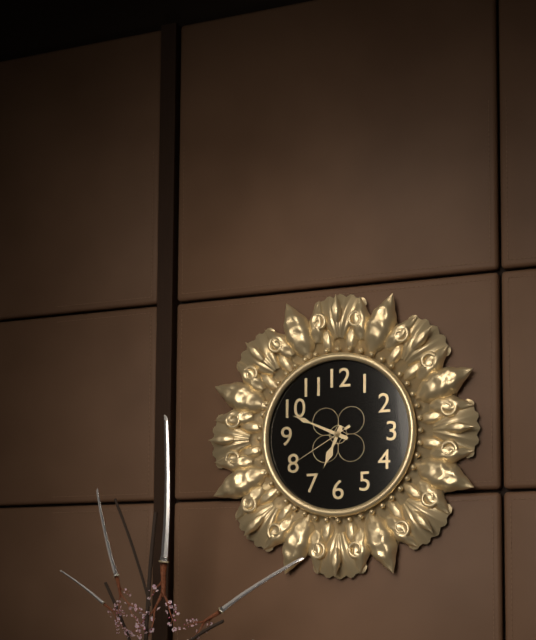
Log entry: 6,49,40
